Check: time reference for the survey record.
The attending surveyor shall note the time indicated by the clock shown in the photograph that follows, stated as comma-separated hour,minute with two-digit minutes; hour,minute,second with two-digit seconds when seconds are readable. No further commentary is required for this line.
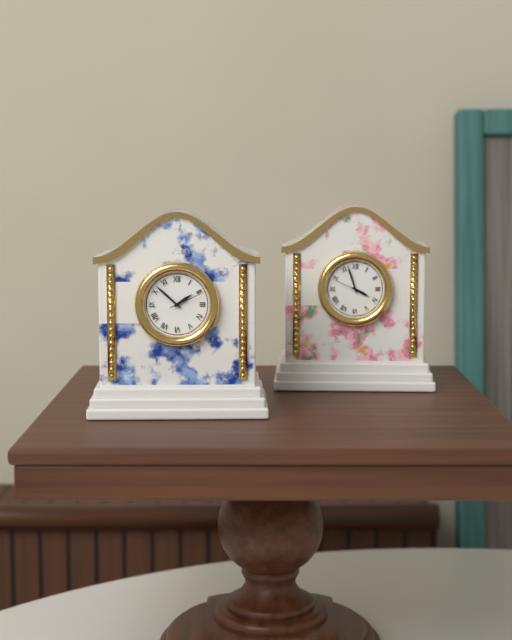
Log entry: 1,52
